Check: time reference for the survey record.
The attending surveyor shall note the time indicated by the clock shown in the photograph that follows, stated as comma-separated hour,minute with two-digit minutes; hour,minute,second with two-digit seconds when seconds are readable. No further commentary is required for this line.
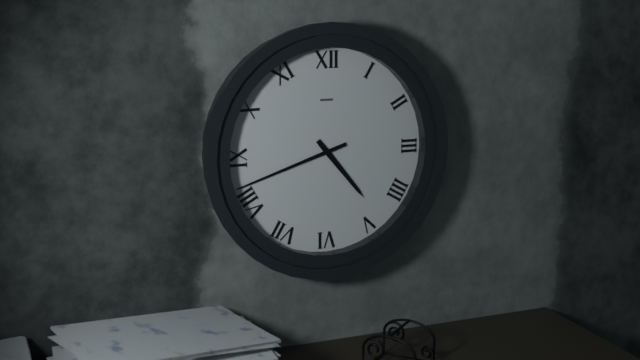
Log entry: 4,42
